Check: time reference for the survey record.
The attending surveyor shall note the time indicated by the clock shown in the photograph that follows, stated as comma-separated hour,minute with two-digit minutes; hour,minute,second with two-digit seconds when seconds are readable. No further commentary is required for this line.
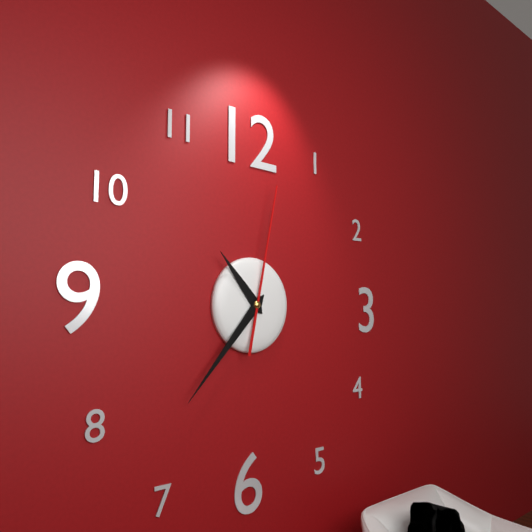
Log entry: 10,37,02
